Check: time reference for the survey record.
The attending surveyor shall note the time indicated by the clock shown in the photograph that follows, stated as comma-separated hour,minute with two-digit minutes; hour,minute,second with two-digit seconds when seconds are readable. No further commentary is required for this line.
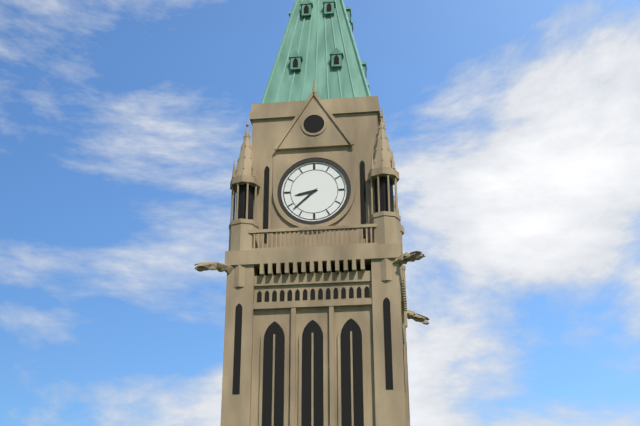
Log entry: 8,38
